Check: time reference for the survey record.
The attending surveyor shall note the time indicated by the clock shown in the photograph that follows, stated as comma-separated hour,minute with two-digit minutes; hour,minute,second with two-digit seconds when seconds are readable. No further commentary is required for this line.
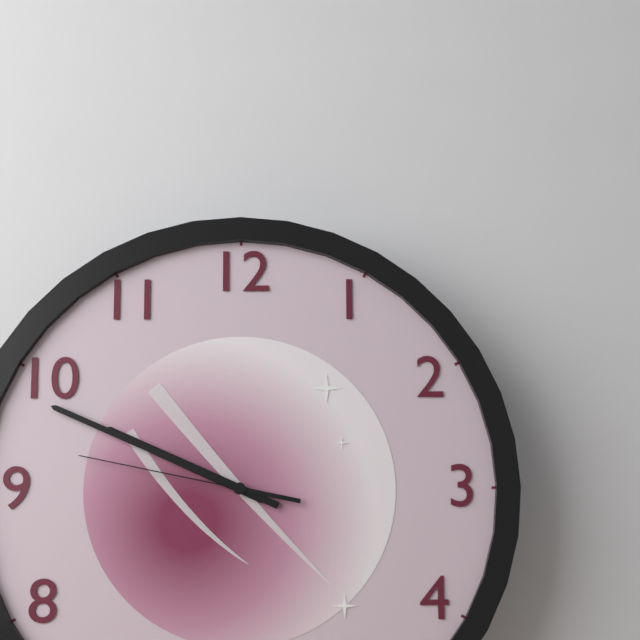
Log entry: 9,49,47
